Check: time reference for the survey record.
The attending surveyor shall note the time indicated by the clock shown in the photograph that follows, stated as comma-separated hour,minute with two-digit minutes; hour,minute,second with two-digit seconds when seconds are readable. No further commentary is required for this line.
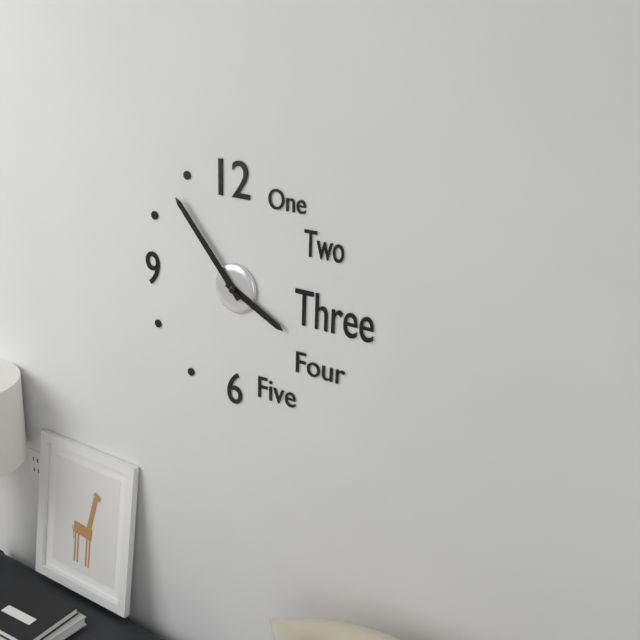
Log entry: 3,53
